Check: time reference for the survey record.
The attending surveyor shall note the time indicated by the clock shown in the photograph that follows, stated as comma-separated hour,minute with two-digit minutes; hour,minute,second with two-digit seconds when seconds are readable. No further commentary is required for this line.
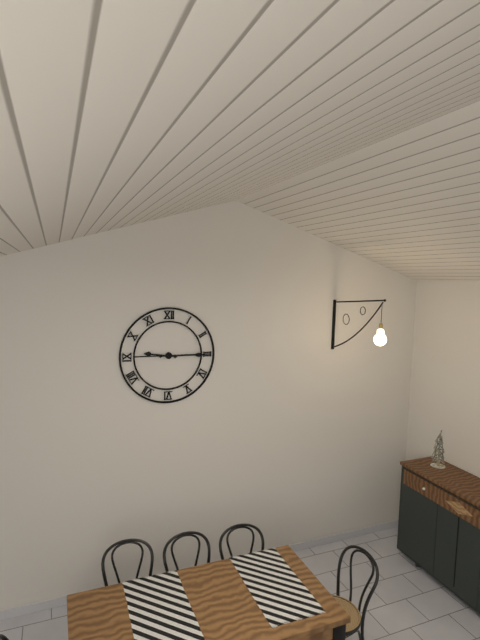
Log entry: 9,15
